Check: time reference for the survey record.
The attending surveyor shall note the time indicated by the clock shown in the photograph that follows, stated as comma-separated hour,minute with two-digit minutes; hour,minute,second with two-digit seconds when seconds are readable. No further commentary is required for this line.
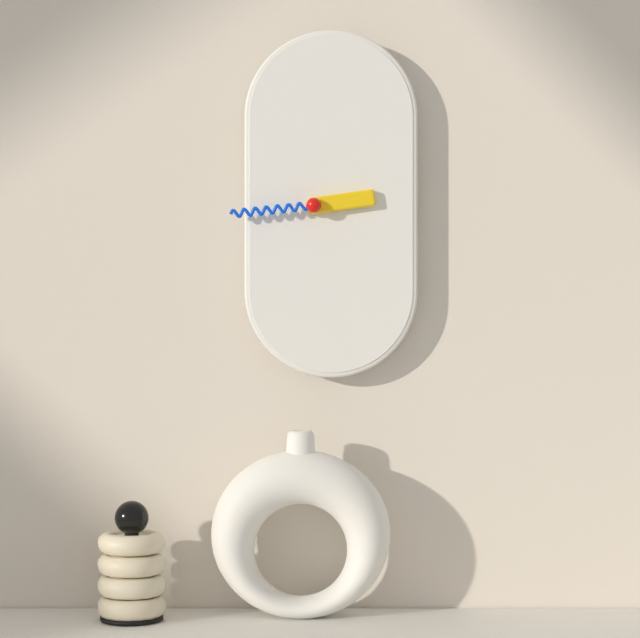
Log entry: 2,44
